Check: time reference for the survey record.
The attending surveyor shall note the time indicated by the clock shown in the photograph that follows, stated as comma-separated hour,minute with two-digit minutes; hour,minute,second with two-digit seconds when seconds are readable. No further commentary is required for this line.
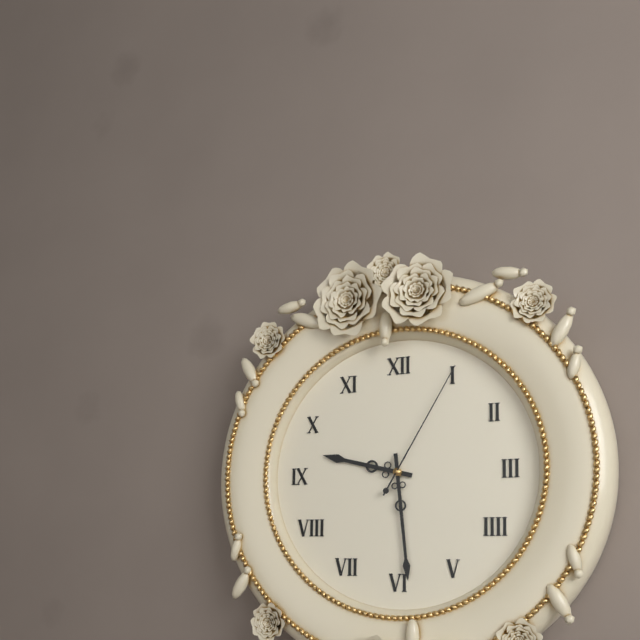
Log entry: 9,29,05
